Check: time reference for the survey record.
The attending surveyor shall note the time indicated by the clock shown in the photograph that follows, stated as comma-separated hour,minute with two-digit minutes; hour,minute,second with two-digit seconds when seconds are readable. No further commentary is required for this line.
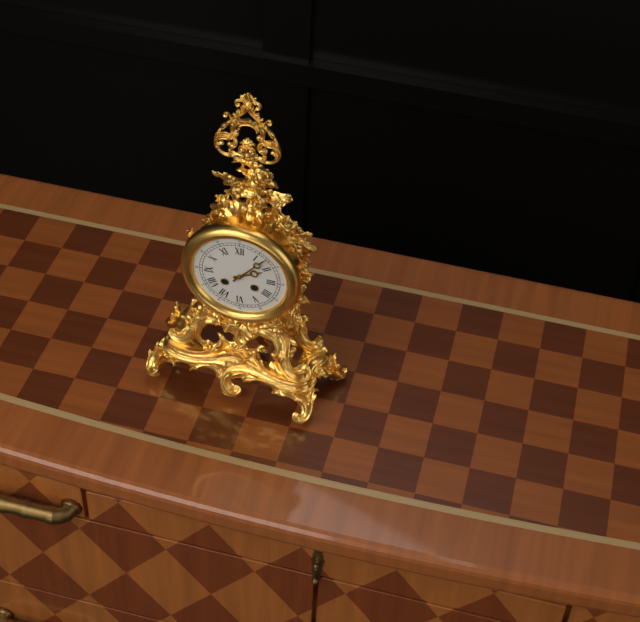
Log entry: 2,07
